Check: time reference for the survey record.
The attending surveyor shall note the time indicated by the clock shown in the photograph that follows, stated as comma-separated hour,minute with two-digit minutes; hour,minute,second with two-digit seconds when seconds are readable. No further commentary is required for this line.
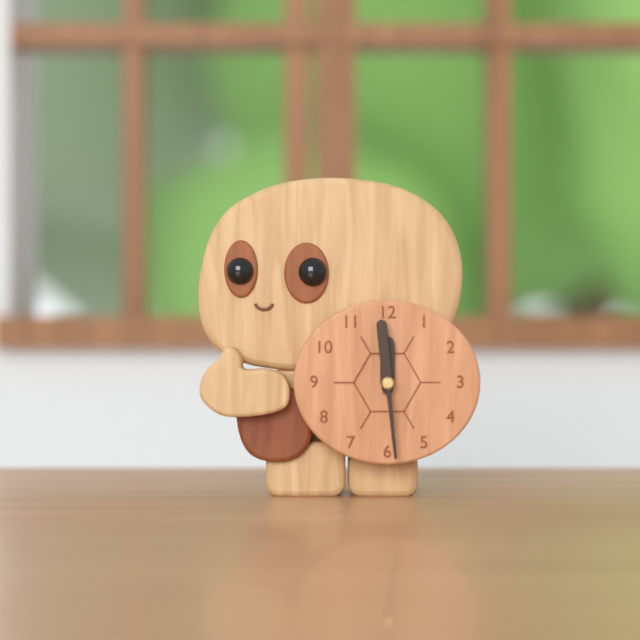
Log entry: 11,59
